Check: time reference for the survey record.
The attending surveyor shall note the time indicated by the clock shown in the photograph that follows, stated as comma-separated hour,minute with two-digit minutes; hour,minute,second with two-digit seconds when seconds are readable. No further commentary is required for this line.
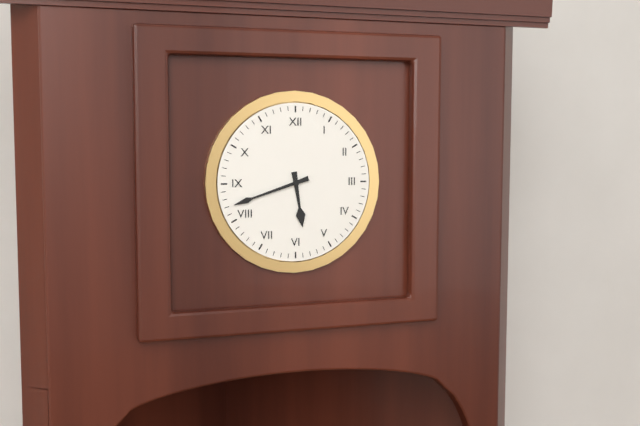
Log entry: 5,42
